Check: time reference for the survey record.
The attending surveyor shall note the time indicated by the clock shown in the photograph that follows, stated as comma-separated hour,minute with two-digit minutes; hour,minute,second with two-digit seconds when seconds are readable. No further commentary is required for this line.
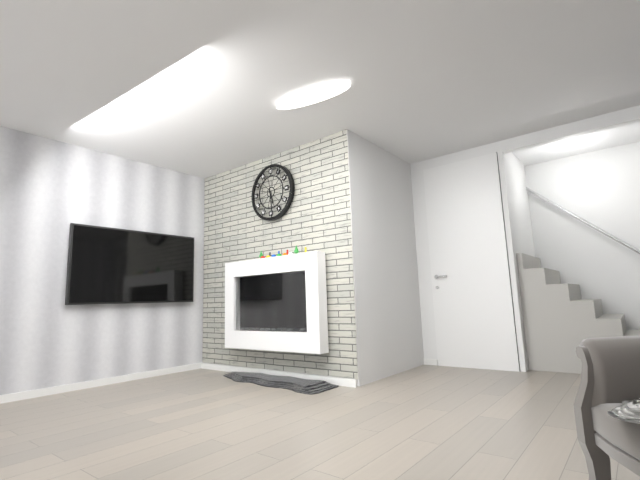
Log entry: 5,29
